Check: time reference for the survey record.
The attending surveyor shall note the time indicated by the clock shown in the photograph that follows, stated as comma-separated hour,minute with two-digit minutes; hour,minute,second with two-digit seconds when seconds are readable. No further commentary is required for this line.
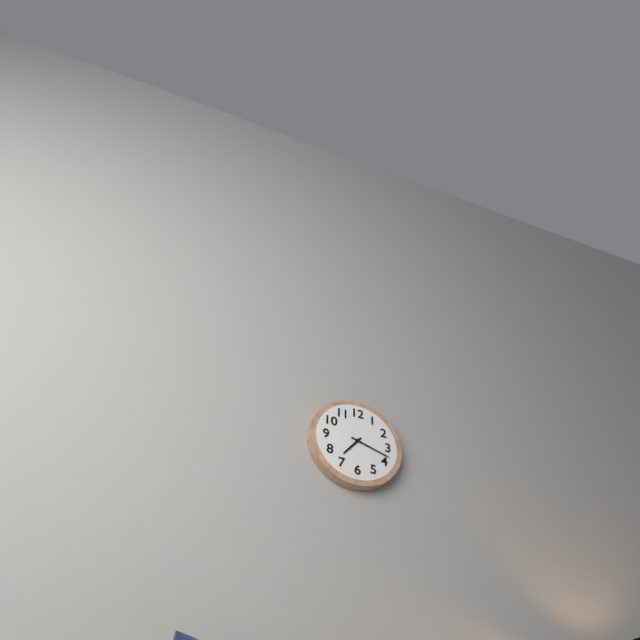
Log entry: 7,18
